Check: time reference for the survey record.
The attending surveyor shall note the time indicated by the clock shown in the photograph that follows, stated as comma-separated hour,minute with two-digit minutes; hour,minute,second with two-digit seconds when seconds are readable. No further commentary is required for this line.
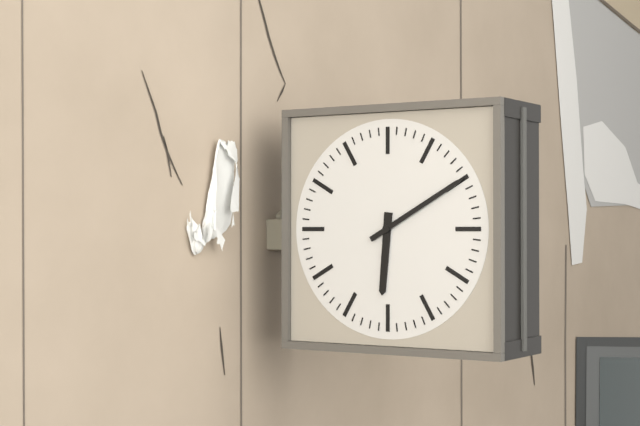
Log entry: 6,10
